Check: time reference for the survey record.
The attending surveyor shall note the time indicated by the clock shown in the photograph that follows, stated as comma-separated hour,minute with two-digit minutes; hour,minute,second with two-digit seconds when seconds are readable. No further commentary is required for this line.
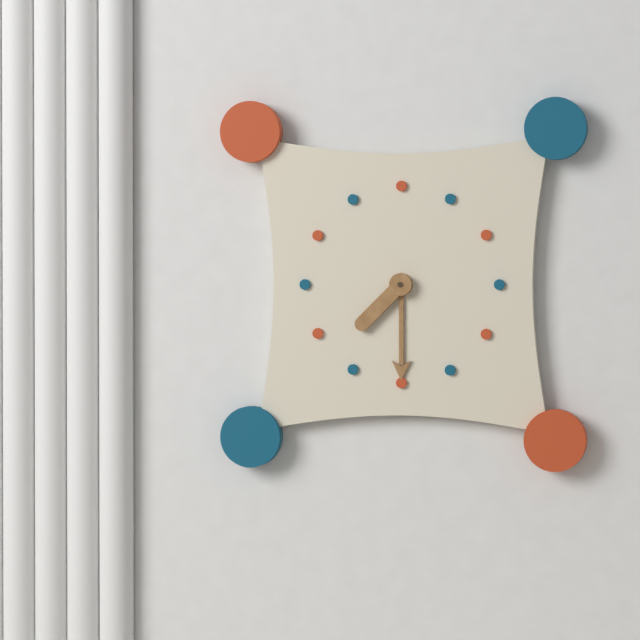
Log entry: 7,30
